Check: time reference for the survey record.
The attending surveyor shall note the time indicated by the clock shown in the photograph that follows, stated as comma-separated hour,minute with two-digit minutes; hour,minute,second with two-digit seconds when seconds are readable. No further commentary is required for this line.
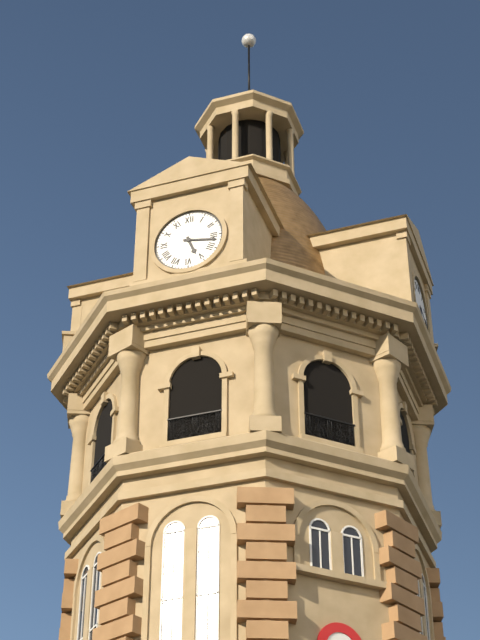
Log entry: 5,17
